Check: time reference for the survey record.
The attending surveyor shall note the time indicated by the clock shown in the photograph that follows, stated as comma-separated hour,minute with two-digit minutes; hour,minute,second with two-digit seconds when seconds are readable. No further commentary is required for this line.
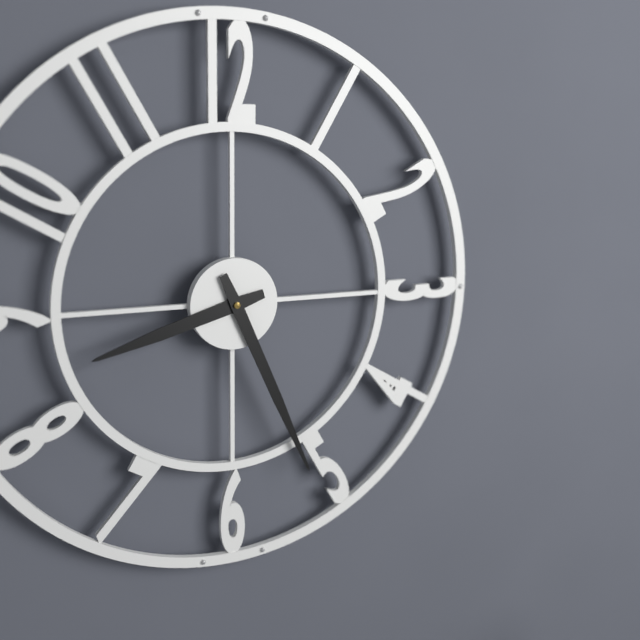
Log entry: 8,26
